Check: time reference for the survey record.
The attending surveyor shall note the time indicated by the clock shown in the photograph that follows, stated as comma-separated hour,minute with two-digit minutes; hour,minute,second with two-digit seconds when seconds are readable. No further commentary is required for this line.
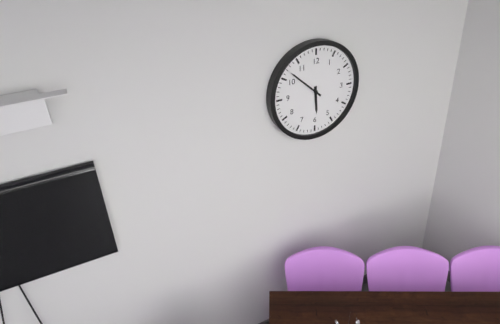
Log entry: 5,52
